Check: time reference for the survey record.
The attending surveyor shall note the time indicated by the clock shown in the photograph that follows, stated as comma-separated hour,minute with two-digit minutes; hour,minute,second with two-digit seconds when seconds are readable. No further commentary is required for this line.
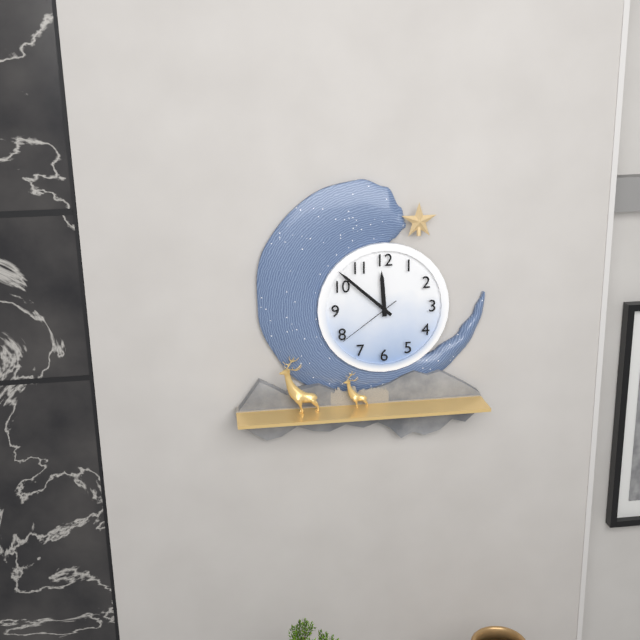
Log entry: 11,52,39
